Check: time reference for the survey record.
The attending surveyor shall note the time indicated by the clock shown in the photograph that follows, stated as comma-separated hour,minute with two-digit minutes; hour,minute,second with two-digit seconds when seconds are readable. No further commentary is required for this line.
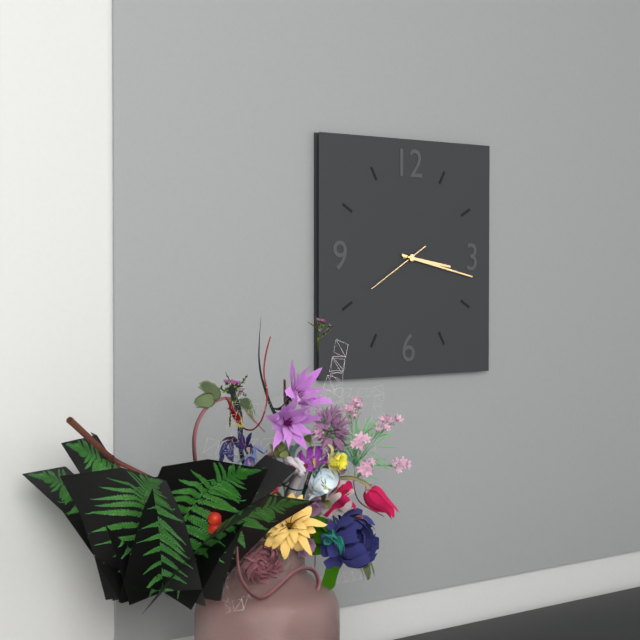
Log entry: 3,17,40
